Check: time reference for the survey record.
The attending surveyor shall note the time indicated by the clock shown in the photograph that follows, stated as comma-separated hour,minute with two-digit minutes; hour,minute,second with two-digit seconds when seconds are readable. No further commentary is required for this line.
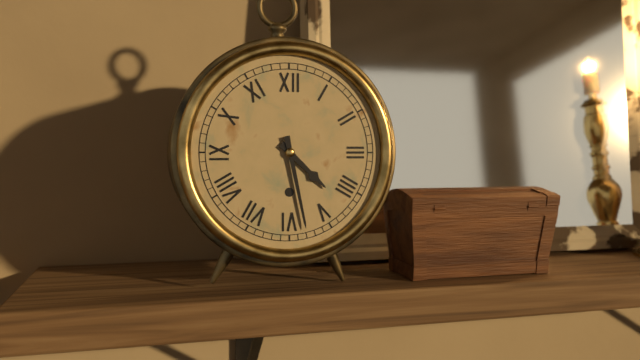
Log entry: 4,28
